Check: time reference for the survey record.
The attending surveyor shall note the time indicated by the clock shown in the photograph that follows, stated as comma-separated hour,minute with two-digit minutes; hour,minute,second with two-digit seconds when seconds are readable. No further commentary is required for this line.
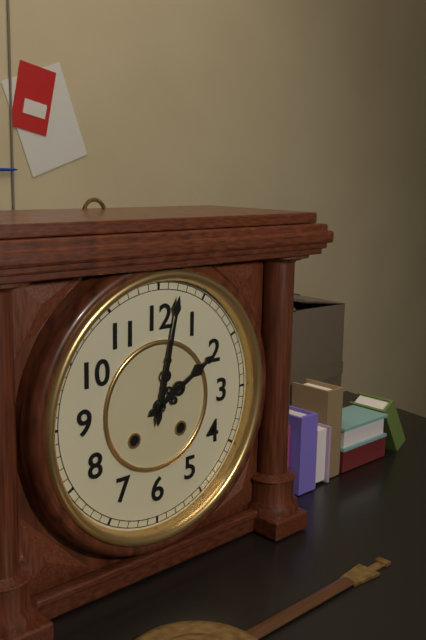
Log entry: 2,02
